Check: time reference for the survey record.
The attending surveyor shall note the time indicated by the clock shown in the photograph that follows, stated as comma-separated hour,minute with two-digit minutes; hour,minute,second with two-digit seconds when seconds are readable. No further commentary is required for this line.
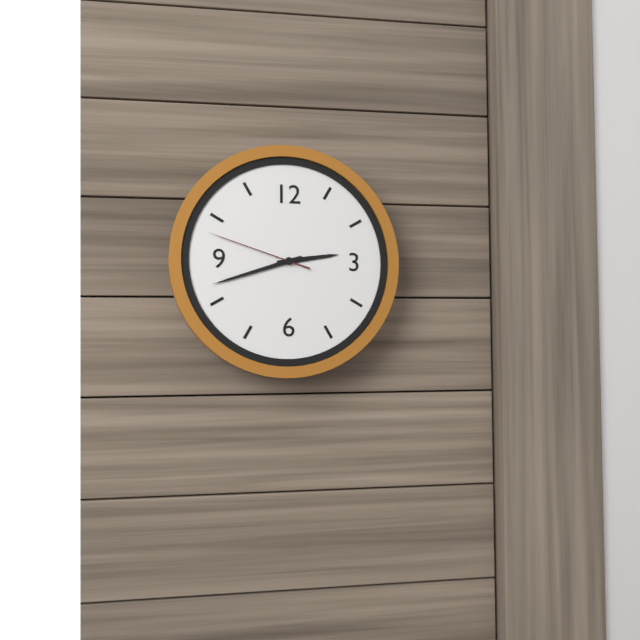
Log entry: 2,42,48
